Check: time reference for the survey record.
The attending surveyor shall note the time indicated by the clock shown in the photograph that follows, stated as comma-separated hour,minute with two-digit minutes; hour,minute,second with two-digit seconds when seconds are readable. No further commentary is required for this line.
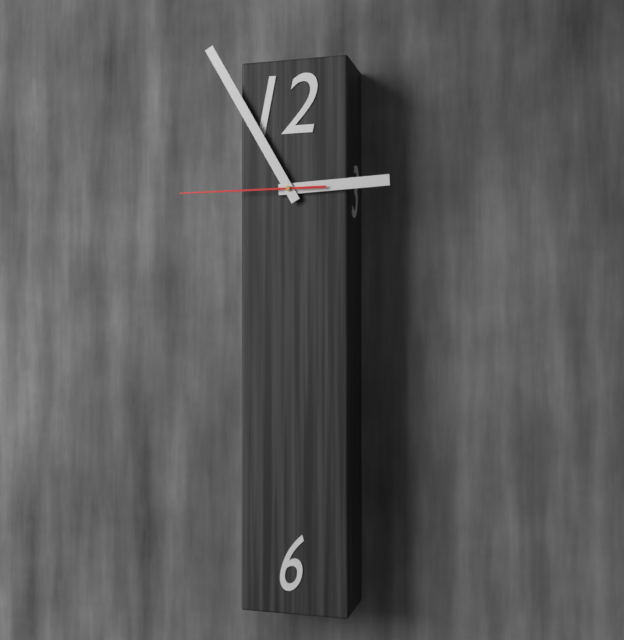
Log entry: 2,55,45
